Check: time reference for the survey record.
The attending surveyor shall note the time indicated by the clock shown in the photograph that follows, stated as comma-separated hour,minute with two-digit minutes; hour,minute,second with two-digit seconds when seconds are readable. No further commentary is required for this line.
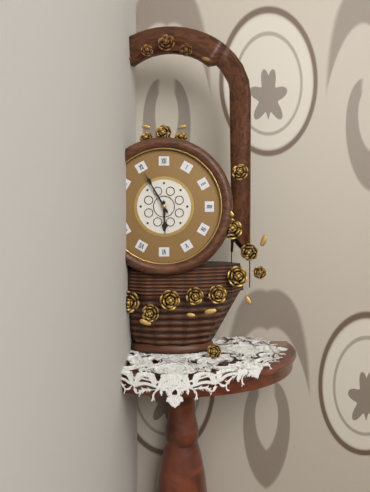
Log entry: 5,55
